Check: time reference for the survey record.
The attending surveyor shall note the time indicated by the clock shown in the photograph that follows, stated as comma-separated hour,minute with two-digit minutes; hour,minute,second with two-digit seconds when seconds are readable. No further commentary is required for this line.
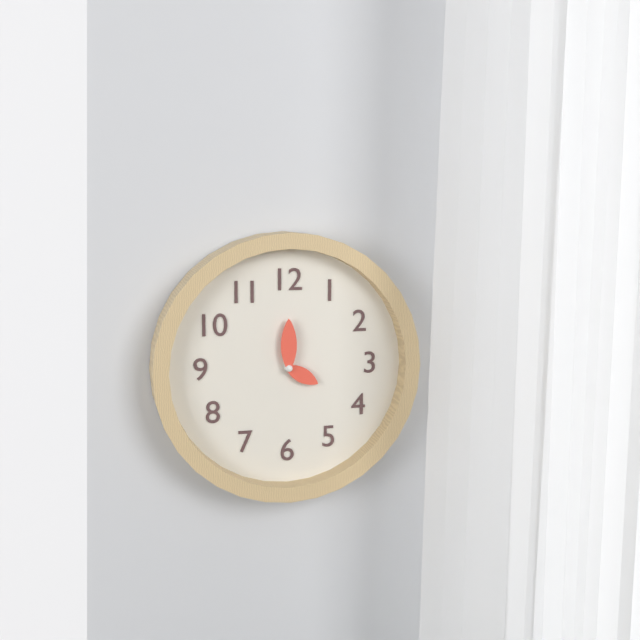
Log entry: 4,00
